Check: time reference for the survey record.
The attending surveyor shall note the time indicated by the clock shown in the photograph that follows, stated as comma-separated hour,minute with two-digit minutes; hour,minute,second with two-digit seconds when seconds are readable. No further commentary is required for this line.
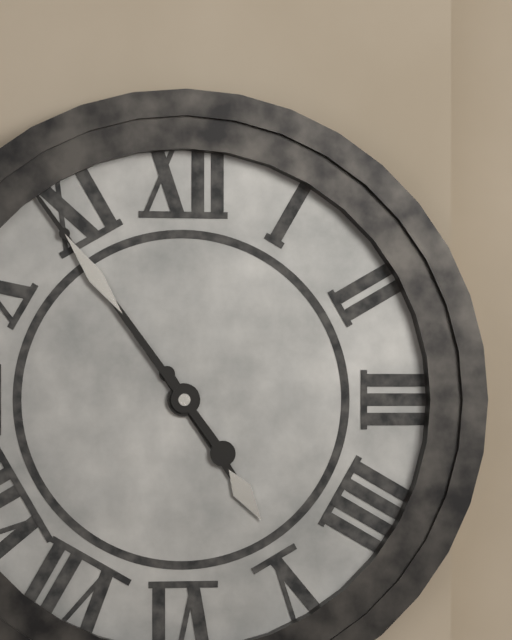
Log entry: 4,54
